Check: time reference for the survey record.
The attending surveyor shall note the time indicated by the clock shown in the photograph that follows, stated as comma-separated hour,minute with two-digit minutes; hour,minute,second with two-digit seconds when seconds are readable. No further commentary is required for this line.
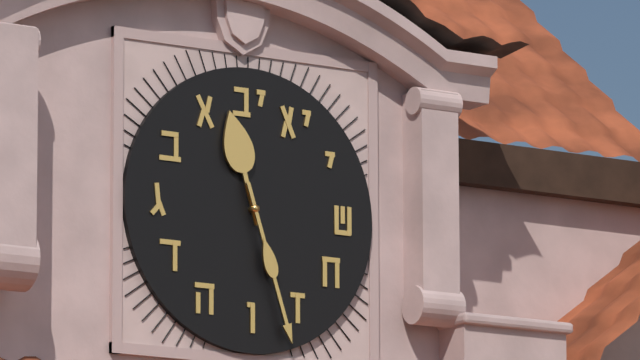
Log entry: 11,27
